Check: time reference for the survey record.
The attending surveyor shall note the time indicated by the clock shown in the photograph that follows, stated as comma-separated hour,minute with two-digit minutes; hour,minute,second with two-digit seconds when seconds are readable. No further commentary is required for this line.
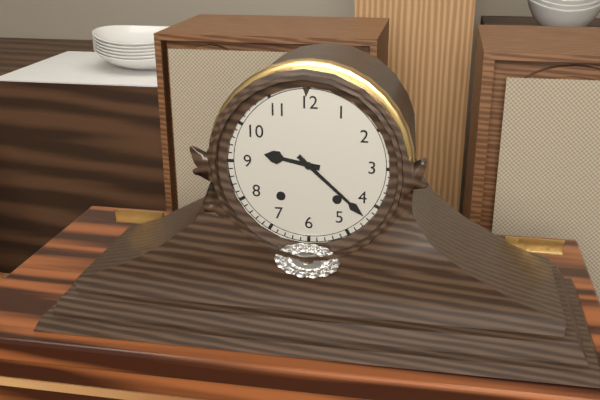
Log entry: 9,22
